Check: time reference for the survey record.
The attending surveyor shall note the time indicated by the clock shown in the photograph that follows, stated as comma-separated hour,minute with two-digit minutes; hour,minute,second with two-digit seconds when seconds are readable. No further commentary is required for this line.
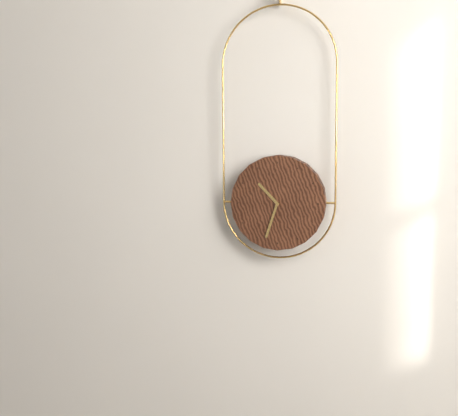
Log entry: 10,33
